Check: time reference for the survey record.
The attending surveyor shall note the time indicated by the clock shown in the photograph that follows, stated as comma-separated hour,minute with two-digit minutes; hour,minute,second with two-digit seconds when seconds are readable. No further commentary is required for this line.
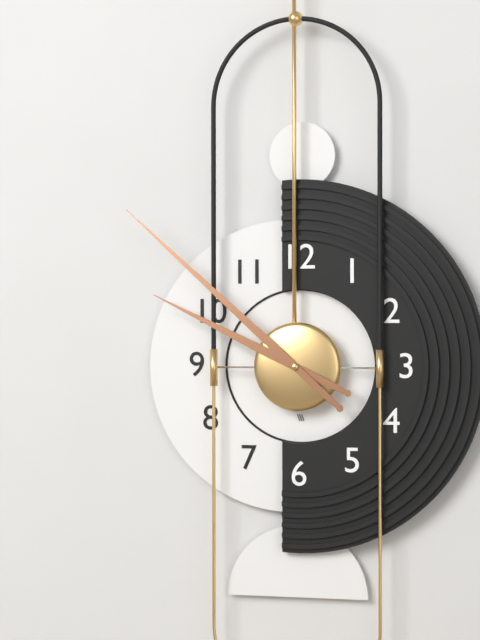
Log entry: 9,52
